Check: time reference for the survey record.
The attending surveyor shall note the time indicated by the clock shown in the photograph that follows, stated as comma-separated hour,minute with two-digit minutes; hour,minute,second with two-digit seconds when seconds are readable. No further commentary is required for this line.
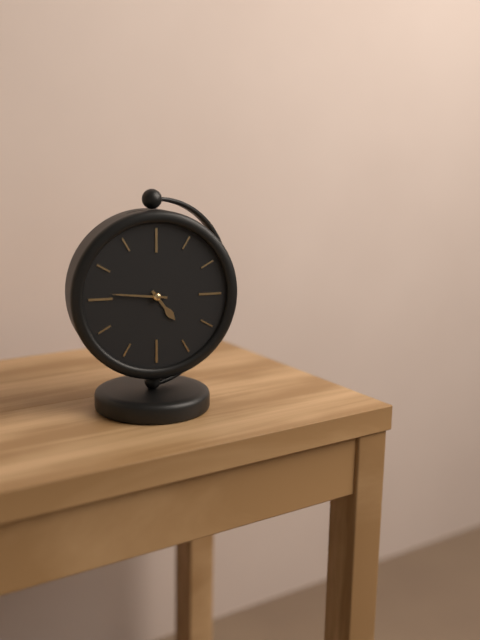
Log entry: 4,46
